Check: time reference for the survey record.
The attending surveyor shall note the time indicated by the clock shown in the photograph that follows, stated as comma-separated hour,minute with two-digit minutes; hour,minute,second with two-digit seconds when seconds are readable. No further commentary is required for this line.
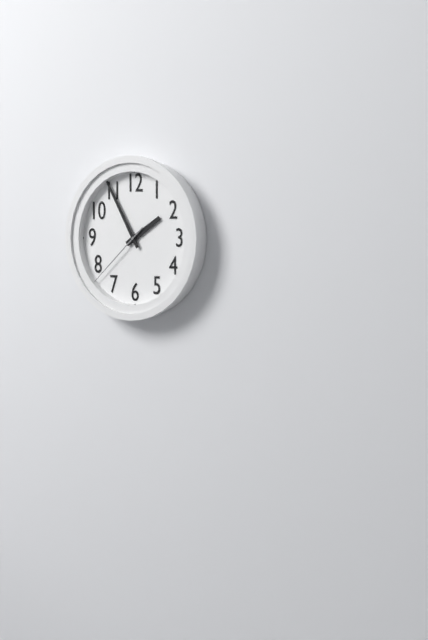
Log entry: 1,55,38
